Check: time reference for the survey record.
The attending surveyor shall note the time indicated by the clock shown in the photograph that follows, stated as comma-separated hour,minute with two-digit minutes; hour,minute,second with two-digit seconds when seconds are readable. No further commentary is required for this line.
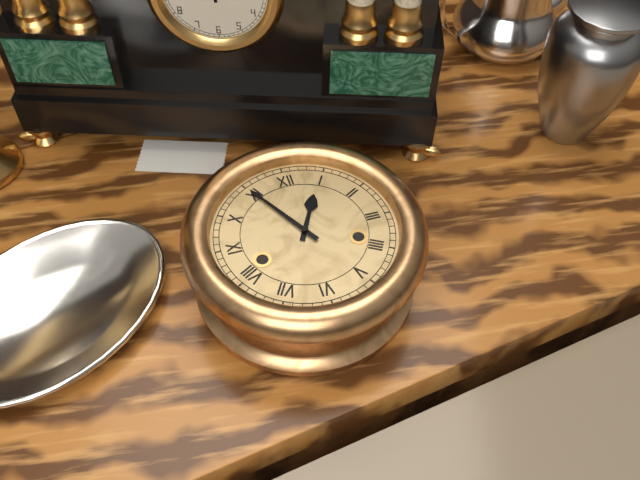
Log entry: 12,55
